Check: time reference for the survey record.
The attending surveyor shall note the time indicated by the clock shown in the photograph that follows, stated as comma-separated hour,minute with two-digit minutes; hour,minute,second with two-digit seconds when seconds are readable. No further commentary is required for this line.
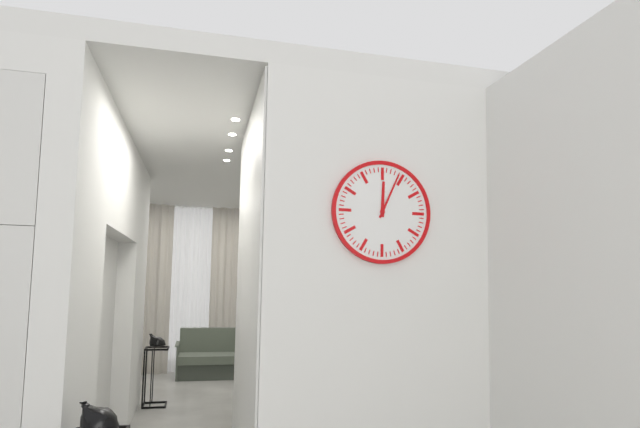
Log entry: 12,04
